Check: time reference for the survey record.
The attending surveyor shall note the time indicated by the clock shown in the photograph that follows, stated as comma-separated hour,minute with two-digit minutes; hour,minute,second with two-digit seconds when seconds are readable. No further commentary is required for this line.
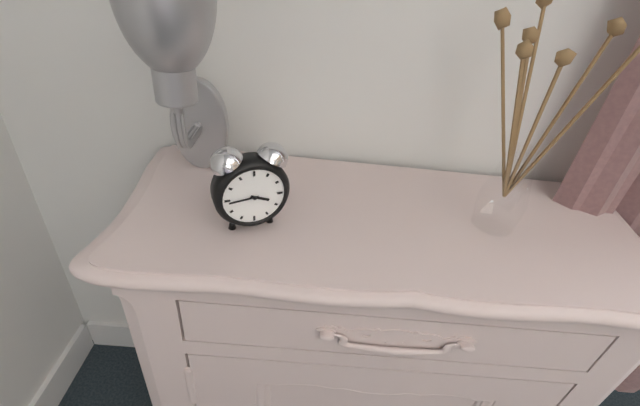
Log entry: 3,44
